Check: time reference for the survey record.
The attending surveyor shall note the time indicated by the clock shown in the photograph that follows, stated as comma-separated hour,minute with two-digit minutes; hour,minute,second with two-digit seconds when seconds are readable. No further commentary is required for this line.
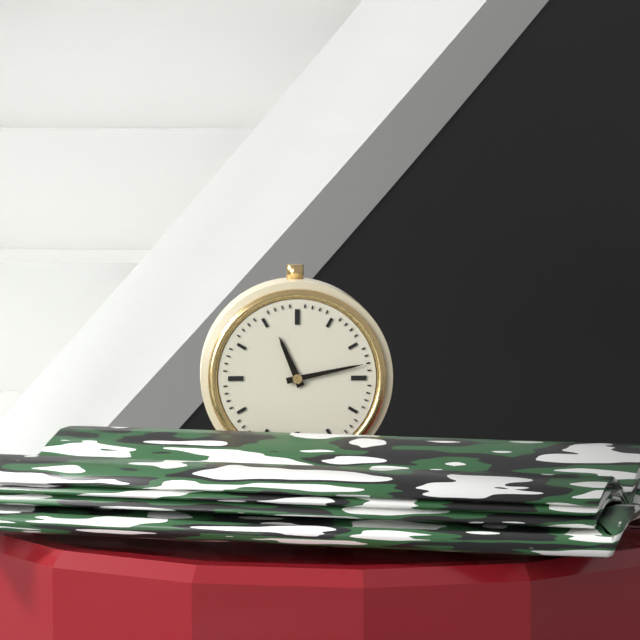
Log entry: 11,13
